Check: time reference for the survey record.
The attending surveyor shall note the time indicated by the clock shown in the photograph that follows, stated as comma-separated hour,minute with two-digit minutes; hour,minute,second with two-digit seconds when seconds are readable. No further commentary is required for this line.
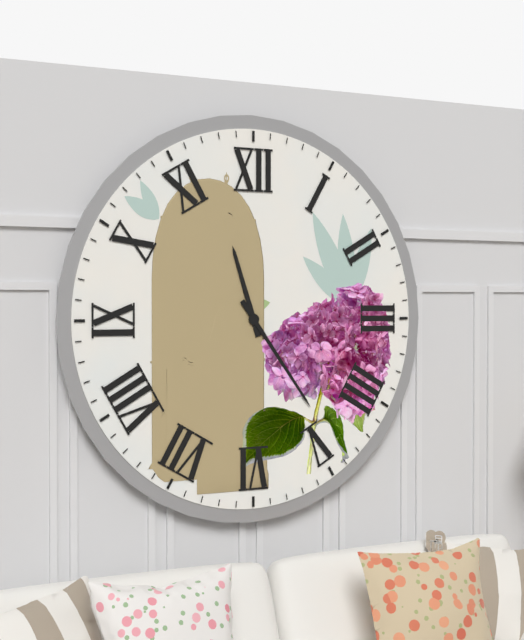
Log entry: 11,24
